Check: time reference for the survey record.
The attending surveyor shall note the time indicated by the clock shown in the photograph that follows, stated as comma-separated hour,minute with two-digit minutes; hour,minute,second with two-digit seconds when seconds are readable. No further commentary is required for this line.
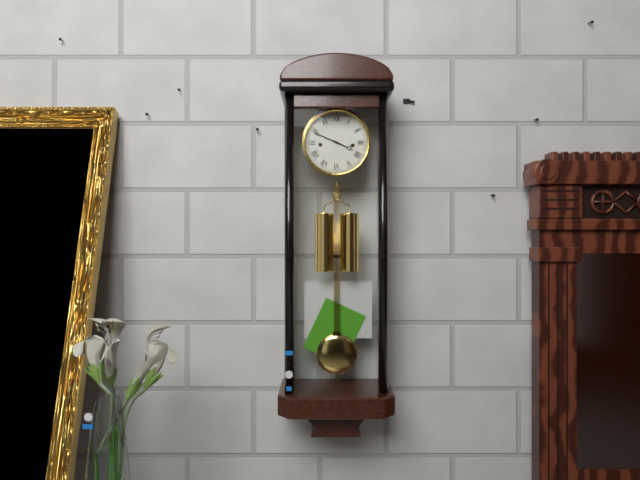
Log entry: 3,49
